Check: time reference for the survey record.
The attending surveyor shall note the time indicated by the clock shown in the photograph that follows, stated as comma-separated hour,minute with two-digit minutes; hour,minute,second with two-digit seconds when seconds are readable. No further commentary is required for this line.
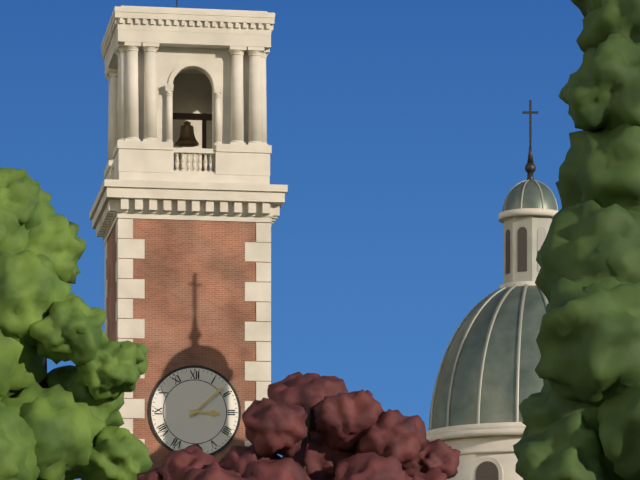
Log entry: 3,08
